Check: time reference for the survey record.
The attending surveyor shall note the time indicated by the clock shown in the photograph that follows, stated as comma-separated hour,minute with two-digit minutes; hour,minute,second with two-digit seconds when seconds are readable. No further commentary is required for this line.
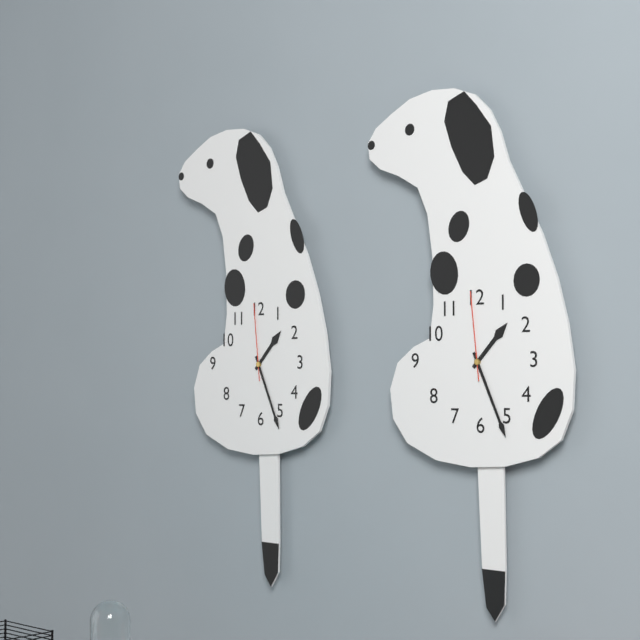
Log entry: 1,26,59
